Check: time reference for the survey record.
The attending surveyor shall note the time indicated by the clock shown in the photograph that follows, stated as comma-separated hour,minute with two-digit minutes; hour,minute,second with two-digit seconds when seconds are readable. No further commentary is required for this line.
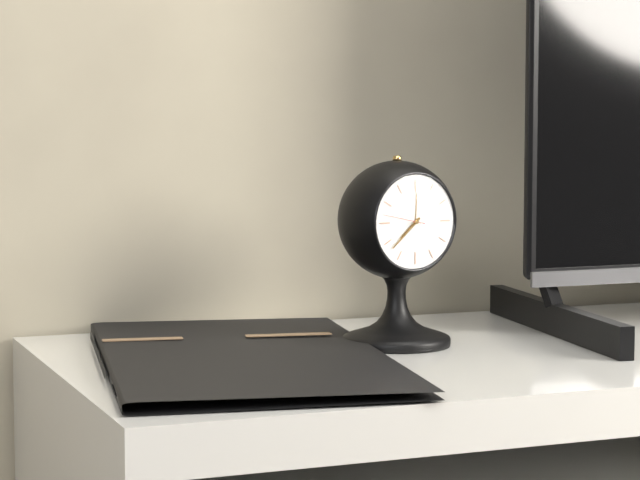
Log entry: 7,38
